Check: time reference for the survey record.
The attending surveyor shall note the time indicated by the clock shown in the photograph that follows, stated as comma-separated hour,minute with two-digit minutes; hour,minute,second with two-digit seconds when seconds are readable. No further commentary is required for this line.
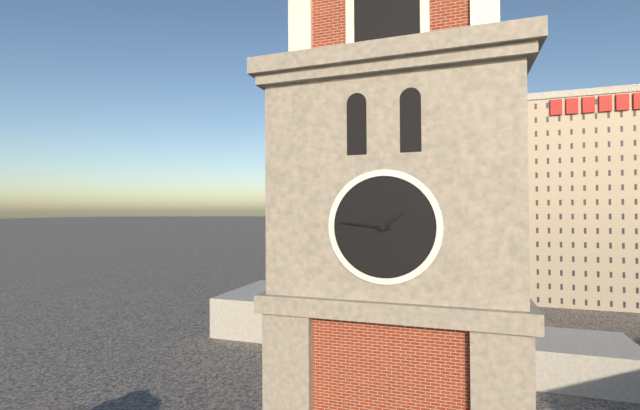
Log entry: 1,46
